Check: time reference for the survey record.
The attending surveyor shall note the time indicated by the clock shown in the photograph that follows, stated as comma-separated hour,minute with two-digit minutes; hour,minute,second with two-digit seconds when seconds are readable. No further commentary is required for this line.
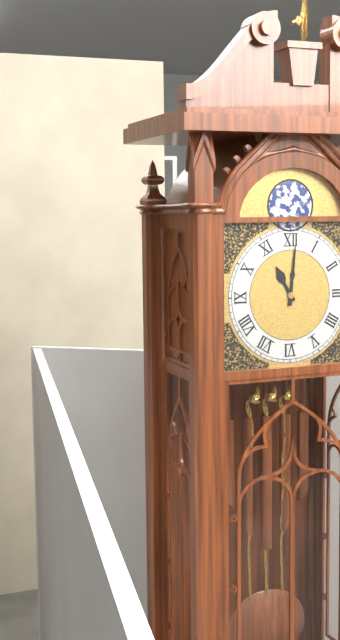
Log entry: 11,01
